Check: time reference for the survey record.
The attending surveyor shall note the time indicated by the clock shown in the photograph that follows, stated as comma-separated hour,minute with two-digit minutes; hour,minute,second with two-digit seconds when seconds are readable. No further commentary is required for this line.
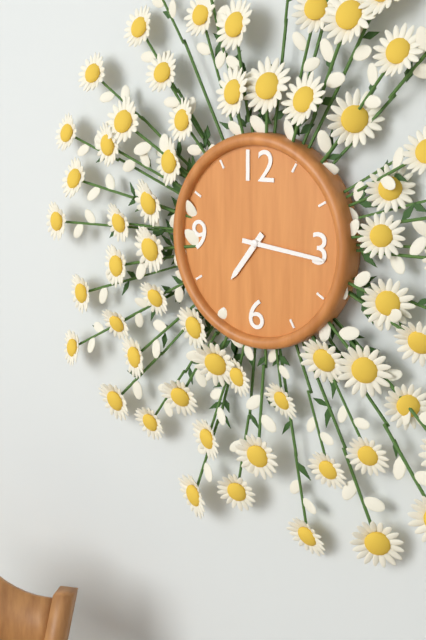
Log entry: 7,16
